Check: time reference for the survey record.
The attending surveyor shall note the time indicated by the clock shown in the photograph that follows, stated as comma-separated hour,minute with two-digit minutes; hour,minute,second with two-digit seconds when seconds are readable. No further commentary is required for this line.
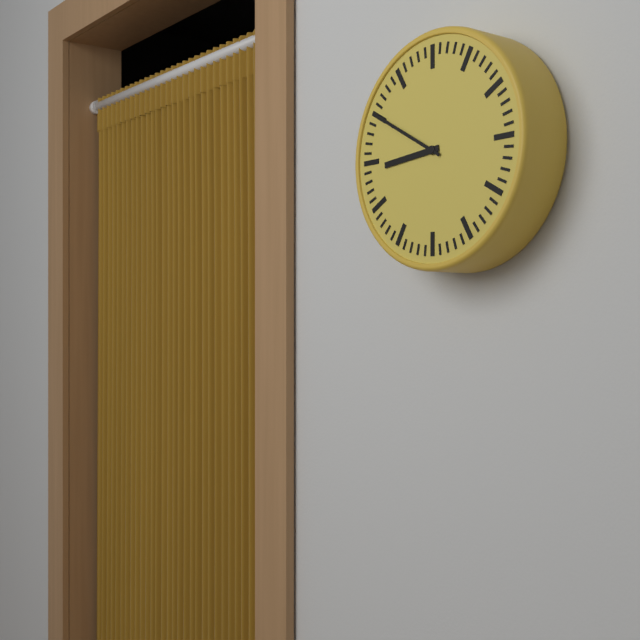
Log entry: 8,50
